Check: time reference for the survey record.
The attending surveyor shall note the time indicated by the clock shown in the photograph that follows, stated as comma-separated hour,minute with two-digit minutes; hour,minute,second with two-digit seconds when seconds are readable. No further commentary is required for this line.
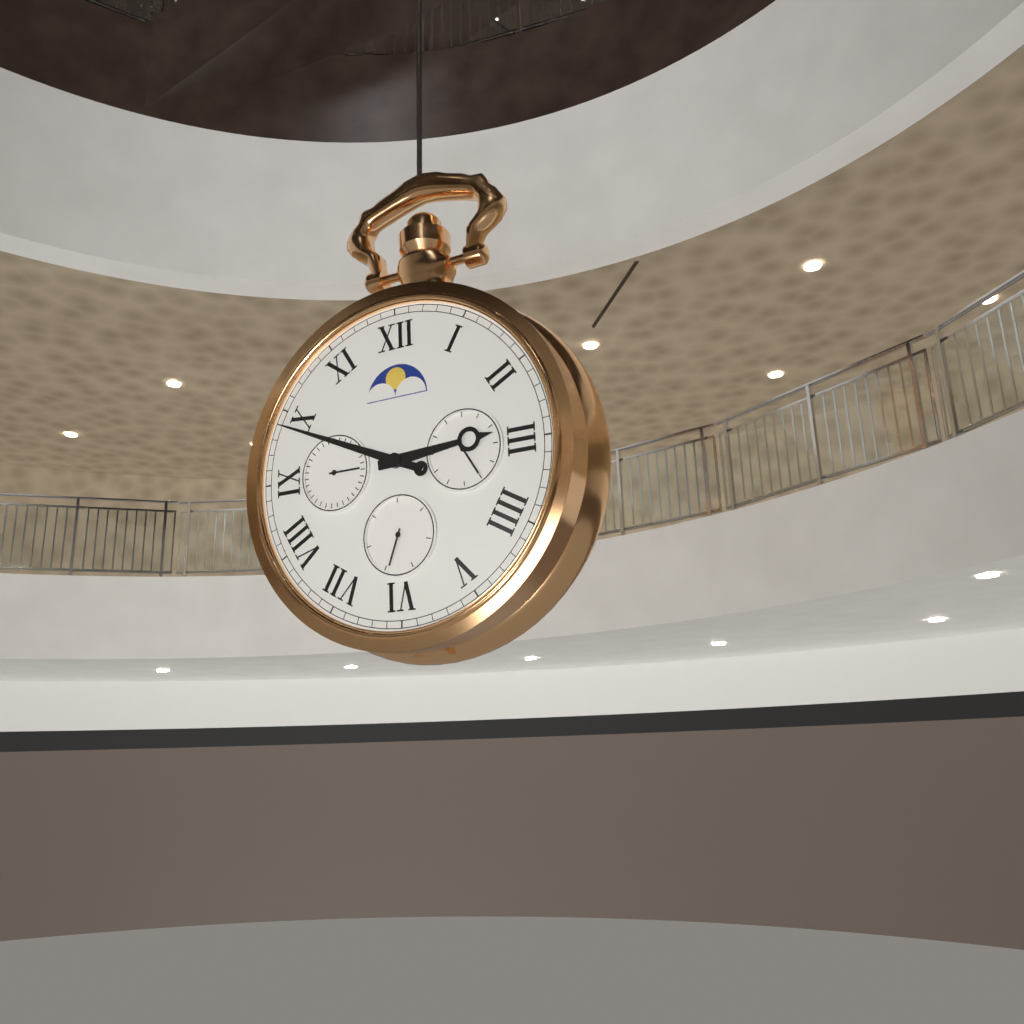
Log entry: 2,49
